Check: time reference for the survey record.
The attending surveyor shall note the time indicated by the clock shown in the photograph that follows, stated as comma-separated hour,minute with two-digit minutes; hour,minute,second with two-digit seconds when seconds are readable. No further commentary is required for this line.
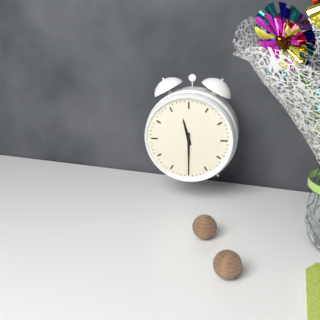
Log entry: 11,30
